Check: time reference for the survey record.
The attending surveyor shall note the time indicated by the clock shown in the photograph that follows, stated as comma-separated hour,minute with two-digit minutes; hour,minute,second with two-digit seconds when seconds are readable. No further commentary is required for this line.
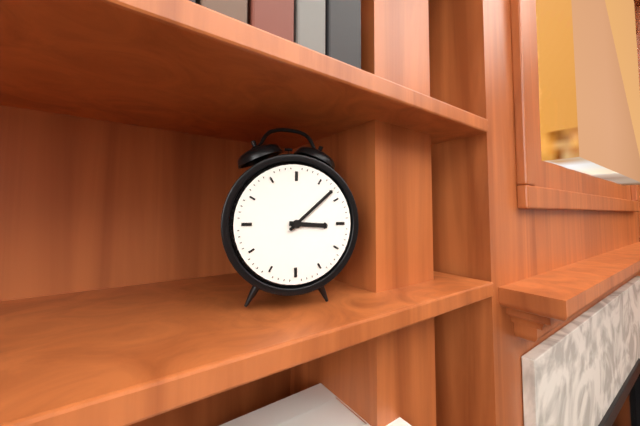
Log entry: 3,08
